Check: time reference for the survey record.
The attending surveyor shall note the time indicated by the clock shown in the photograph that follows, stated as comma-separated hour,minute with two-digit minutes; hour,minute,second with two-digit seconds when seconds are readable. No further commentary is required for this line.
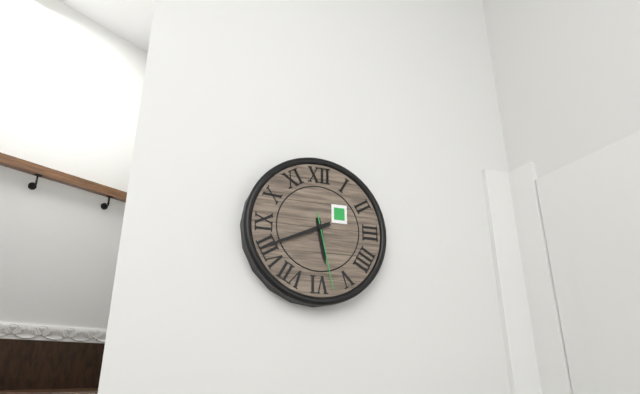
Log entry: 5,41,28
